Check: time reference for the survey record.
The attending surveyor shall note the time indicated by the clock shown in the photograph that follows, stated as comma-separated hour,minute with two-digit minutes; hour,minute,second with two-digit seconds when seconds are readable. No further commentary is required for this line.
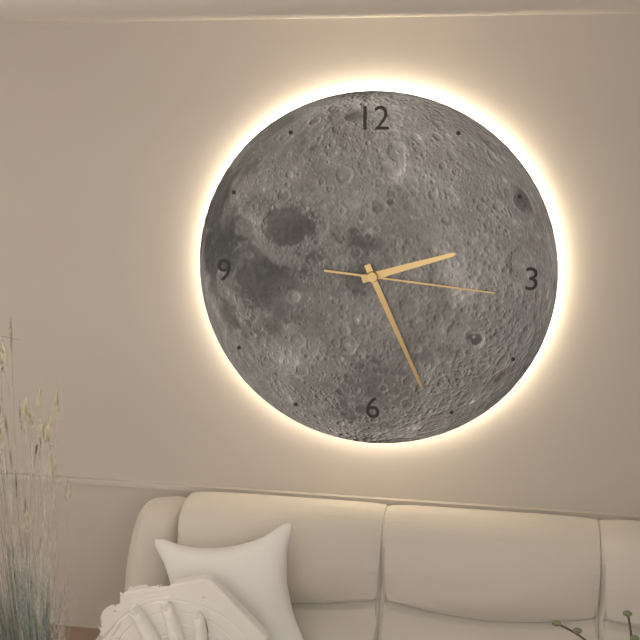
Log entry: 2,26,16
